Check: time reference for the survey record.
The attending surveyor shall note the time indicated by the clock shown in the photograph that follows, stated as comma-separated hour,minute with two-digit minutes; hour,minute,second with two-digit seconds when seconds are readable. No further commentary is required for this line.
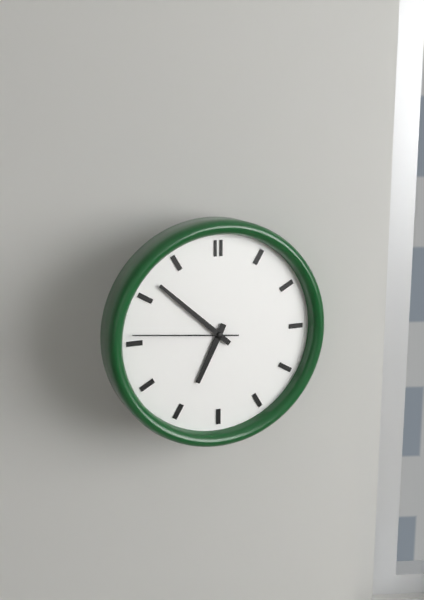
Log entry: 6,52,46
